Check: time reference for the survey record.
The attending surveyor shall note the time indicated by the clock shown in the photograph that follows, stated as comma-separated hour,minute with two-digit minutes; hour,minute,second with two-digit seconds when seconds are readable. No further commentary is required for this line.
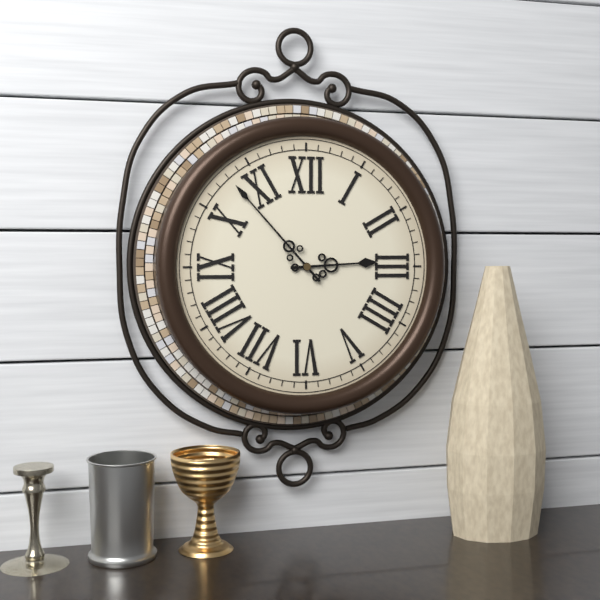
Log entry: 2,53
